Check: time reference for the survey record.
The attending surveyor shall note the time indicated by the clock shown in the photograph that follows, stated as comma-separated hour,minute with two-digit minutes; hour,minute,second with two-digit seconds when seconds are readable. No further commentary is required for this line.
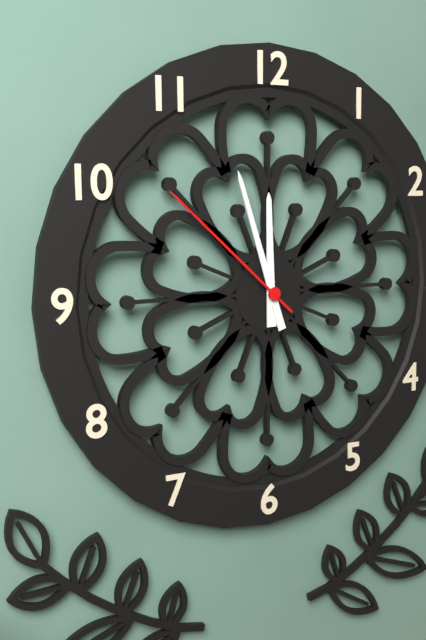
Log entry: 11,57,52
